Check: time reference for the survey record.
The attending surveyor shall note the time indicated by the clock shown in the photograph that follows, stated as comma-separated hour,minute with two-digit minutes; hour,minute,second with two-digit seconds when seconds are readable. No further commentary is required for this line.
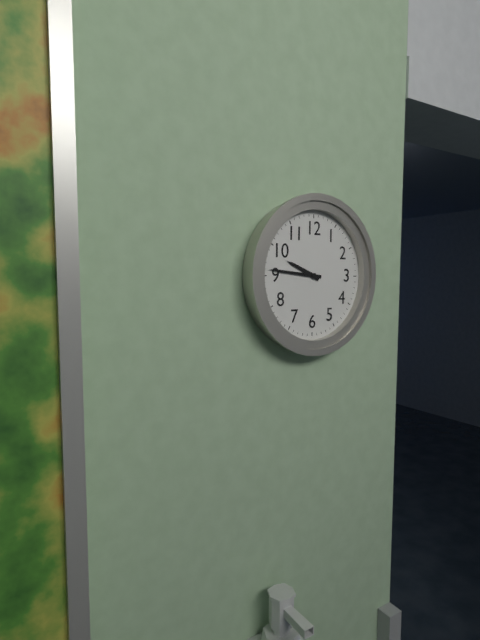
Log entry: 9,46
